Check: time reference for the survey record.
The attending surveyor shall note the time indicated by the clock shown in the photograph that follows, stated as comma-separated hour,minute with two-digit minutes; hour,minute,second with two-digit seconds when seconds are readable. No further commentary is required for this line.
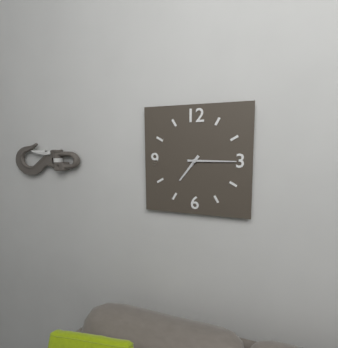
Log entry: 7,15
